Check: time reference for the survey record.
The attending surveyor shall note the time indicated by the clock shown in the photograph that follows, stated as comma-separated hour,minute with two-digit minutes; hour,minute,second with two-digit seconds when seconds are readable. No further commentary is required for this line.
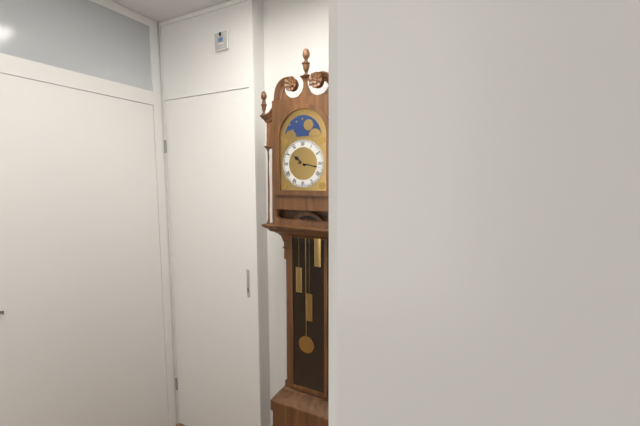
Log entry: 10,17
